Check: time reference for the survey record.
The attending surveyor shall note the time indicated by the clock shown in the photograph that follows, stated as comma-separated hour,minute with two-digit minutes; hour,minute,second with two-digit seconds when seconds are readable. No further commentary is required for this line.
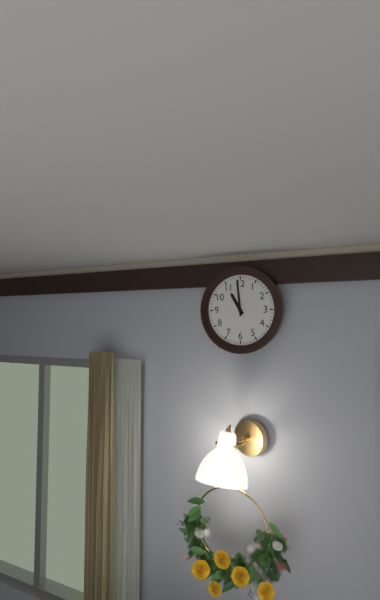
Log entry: 10,59
